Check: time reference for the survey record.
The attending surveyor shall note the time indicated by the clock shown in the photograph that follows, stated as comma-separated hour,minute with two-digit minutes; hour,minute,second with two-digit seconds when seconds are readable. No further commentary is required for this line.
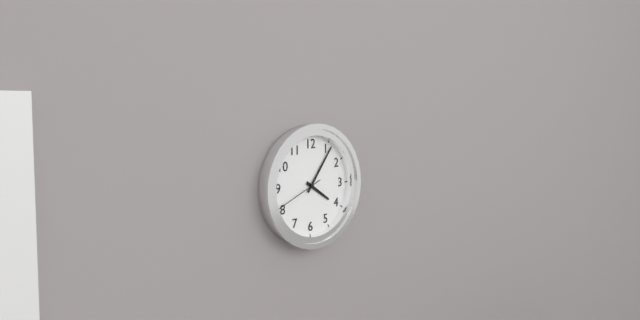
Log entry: 4,06,41
